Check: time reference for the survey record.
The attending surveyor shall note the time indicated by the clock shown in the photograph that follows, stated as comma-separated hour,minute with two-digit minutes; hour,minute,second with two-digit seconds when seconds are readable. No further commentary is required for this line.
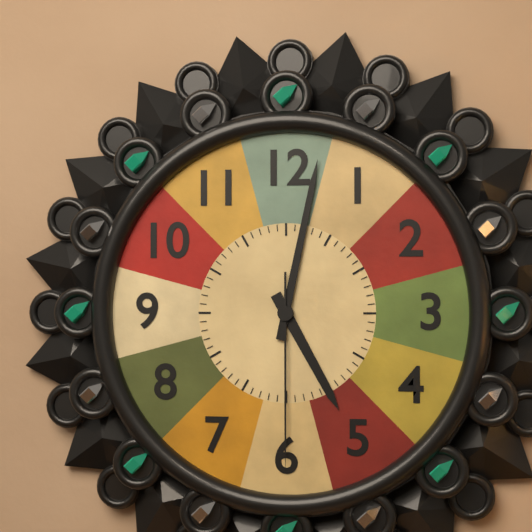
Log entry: 5,02,30
